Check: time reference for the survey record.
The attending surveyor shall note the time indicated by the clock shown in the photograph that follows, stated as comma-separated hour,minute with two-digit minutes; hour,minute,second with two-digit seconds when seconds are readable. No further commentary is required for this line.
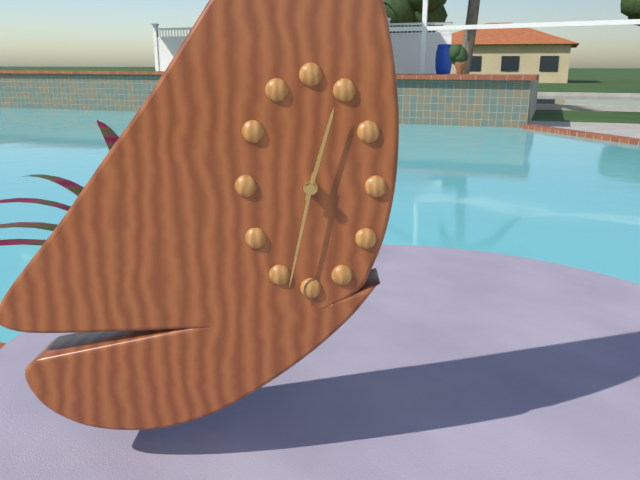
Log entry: 12,32
